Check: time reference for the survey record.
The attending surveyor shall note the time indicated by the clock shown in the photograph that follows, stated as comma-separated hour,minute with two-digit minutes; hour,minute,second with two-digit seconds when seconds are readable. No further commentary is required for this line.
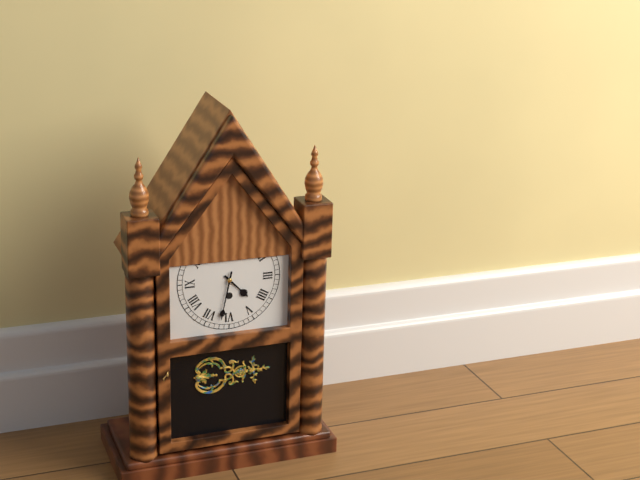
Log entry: 4,32
